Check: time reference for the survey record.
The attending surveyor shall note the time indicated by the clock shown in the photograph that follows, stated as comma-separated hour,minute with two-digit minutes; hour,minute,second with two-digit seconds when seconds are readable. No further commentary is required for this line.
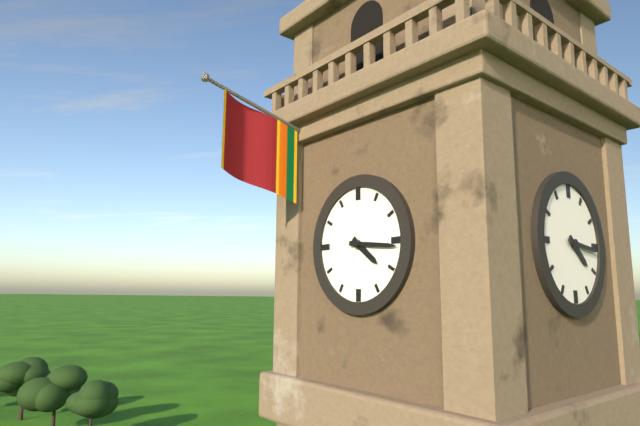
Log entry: 4,16
